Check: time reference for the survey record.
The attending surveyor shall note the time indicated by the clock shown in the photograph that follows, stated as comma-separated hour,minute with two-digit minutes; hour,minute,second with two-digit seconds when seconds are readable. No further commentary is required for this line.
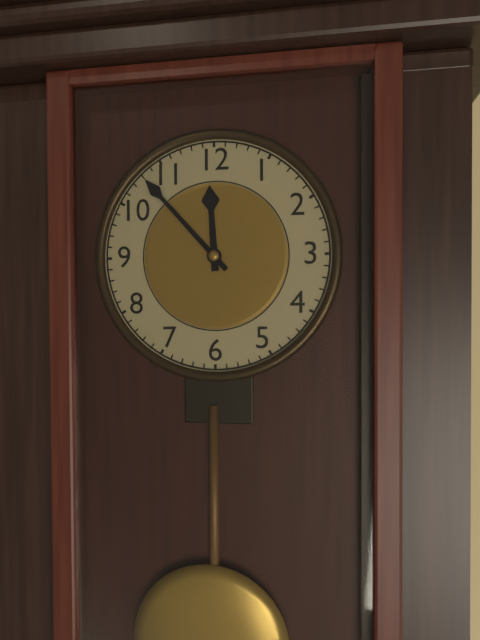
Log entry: 11,53
